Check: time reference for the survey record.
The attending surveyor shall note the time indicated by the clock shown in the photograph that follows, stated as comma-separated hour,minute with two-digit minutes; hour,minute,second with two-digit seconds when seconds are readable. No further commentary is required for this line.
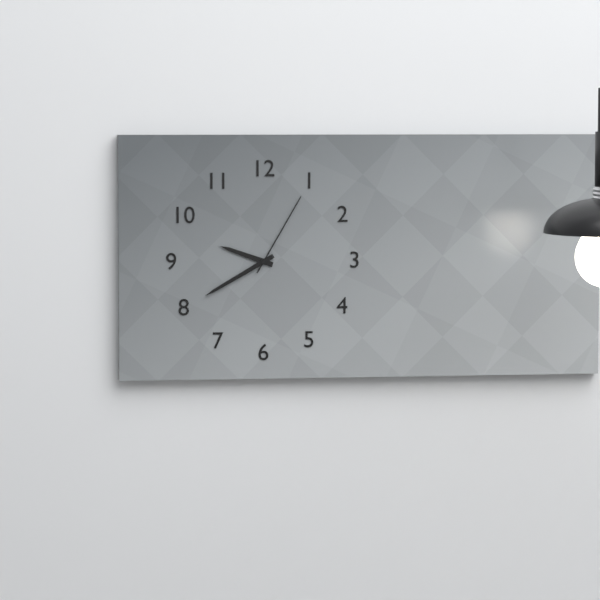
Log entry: 9,40,05
